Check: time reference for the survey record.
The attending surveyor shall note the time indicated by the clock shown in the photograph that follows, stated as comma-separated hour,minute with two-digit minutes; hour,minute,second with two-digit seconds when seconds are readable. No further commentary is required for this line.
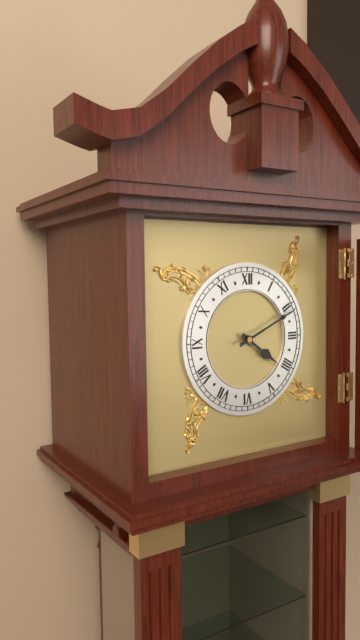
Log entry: 4,11
